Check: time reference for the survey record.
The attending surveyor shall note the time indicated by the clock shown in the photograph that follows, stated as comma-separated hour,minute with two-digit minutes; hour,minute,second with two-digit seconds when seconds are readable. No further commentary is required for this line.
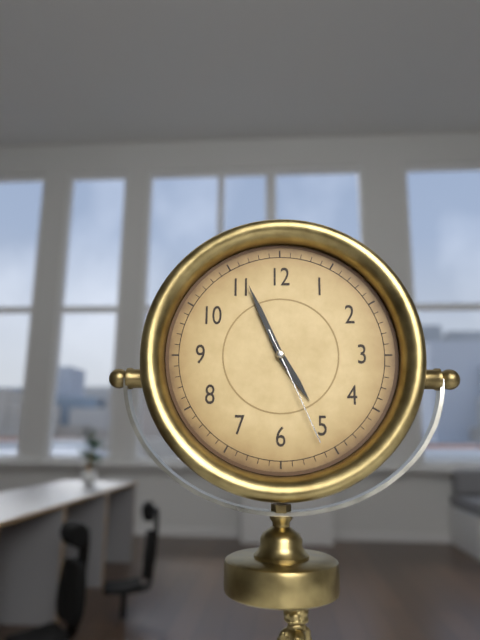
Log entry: 4,56,26
